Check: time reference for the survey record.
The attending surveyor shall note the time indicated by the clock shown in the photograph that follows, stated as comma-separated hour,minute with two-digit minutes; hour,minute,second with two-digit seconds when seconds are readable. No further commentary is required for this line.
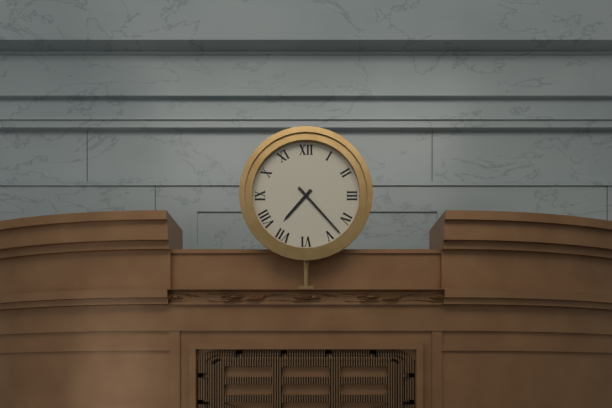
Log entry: 7,23
